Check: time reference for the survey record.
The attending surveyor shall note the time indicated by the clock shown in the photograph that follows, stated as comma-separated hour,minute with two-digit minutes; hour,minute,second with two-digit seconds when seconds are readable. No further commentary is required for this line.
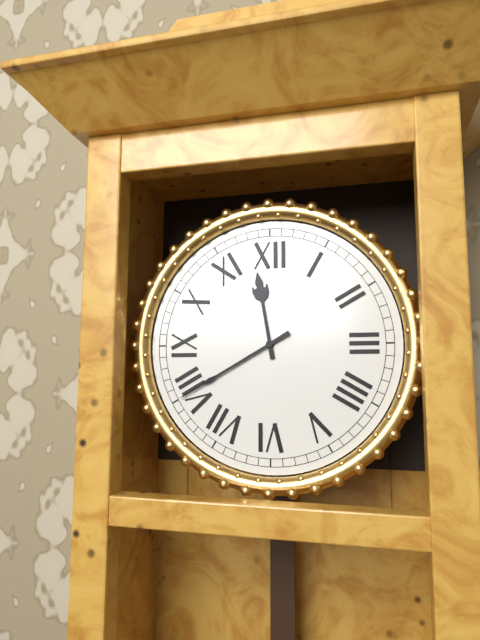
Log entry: 11,40
